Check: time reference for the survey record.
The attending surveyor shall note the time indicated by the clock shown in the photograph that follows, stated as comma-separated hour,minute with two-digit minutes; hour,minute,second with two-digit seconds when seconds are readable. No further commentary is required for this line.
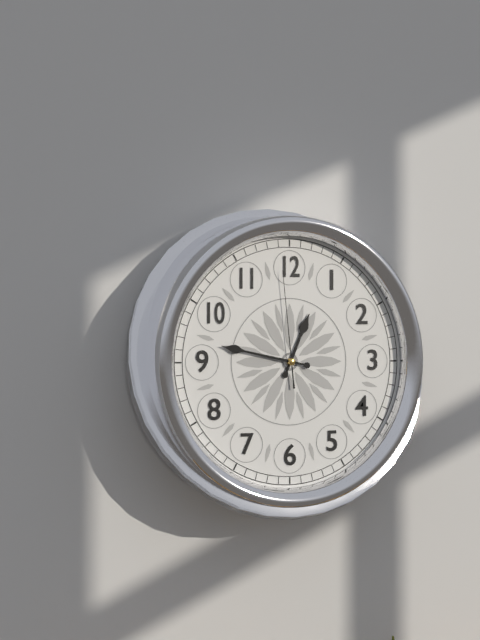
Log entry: 12,47,59
